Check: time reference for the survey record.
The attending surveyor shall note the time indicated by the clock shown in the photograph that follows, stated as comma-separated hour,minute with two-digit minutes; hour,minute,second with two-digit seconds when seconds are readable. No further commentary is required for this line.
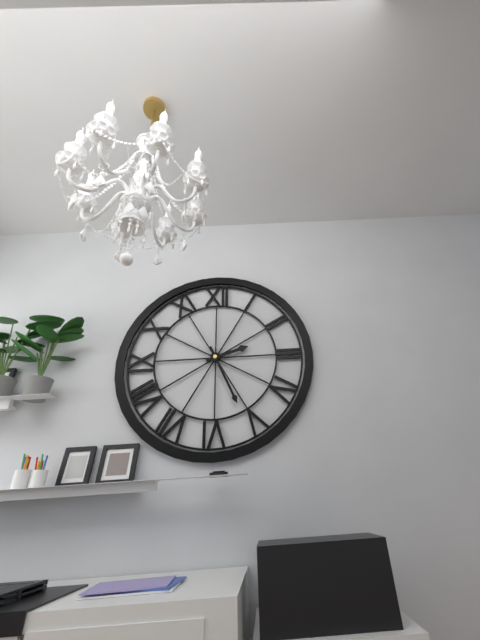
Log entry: 2,26
